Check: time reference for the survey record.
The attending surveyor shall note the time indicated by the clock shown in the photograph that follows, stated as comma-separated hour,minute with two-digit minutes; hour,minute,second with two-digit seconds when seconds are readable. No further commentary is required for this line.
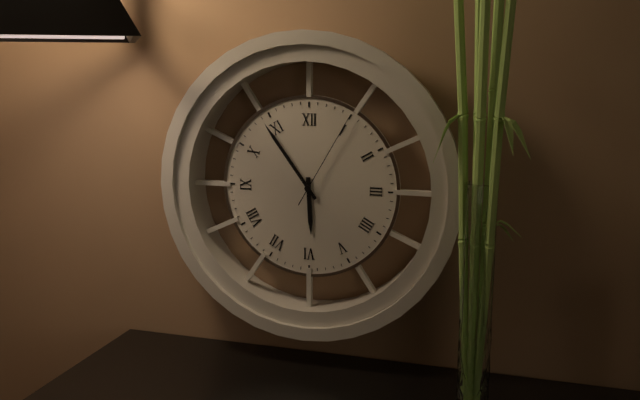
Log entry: 5,54,05
